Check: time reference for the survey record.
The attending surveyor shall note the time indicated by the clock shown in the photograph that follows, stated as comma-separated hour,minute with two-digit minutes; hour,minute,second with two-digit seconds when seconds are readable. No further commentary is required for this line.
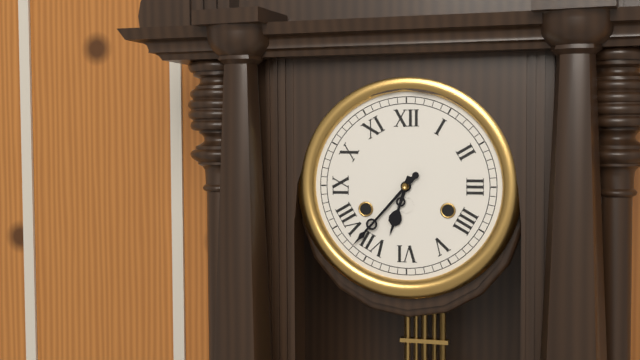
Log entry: 6,37
